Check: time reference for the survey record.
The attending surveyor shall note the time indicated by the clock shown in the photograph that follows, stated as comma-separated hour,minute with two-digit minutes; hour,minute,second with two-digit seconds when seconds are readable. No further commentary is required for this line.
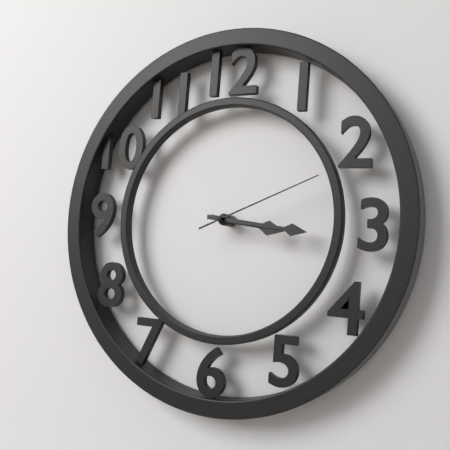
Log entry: 3,16,11
